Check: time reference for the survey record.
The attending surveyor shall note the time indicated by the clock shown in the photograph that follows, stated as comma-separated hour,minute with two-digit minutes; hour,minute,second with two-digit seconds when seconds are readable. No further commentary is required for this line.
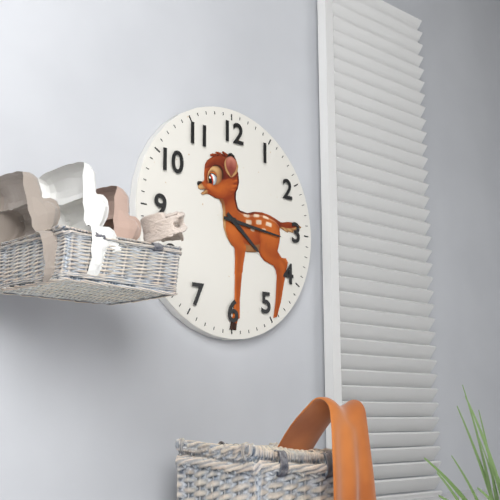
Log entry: 4,16
